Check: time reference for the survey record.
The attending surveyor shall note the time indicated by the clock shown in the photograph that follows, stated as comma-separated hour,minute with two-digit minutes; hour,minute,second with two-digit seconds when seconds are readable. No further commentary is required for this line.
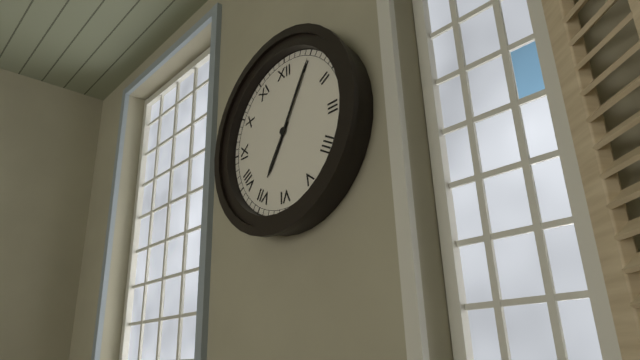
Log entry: 7,05
